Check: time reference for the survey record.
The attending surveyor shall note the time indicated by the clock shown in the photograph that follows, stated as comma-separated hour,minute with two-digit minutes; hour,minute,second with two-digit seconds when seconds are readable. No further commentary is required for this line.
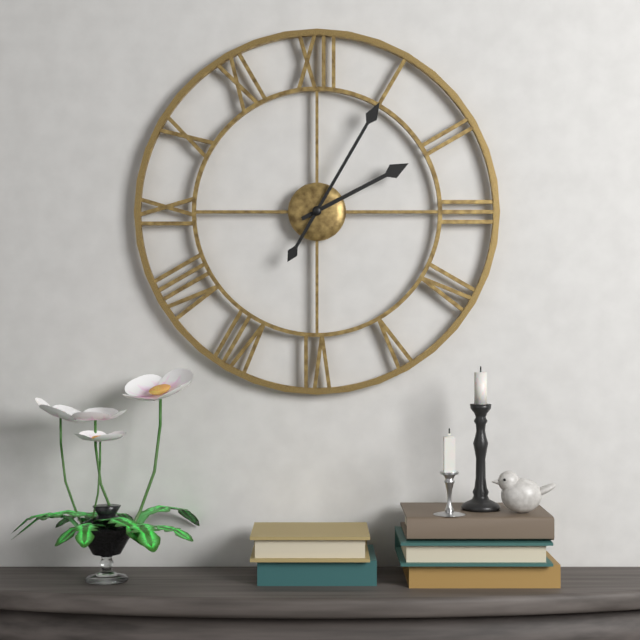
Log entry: 2,05
